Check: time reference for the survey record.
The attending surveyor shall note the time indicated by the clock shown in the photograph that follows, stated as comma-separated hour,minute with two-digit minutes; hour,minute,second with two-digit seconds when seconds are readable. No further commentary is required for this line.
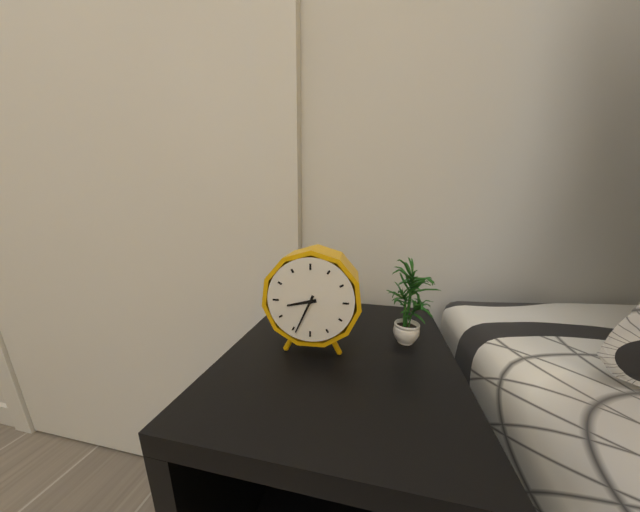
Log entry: 8,34
